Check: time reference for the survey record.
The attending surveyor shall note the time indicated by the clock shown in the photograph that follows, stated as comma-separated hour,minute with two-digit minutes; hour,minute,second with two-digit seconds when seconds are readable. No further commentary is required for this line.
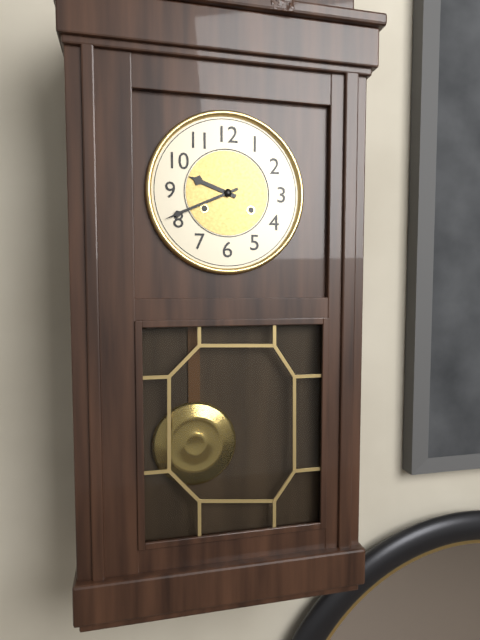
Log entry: 9,41
